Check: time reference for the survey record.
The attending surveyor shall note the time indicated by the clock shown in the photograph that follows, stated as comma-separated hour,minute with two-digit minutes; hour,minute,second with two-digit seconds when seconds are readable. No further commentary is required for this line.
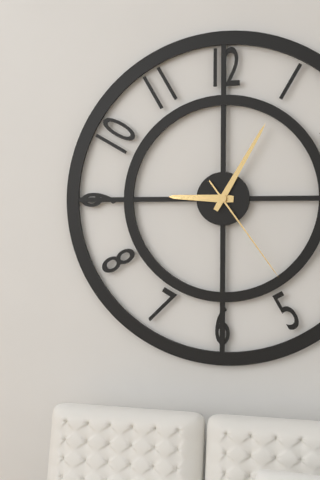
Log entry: 9,05,24
